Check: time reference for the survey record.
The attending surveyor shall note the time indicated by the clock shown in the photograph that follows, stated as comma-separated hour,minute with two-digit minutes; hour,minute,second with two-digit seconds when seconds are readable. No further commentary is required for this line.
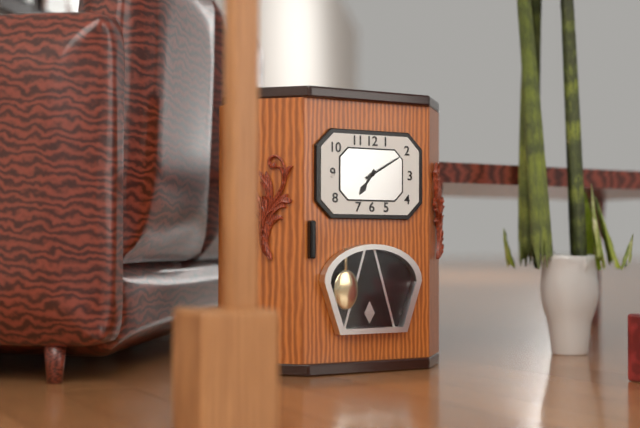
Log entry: 7,10
